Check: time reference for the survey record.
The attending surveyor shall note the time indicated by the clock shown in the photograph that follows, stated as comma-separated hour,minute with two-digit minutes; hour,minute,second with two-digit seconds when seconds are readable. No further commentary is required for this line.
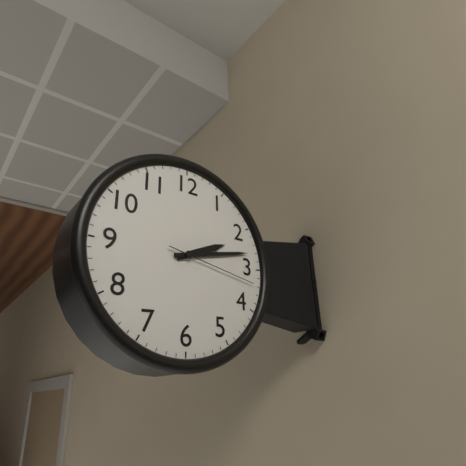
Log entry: 2,13,17
